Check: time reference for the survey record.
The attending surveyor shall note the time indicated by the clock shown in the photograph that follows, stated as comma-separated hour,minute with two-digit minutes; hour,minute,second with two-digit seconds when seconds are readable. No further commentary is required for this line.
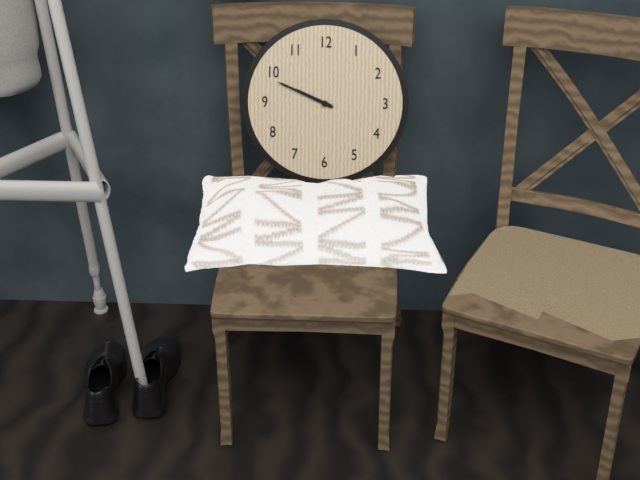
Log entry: 9,49
